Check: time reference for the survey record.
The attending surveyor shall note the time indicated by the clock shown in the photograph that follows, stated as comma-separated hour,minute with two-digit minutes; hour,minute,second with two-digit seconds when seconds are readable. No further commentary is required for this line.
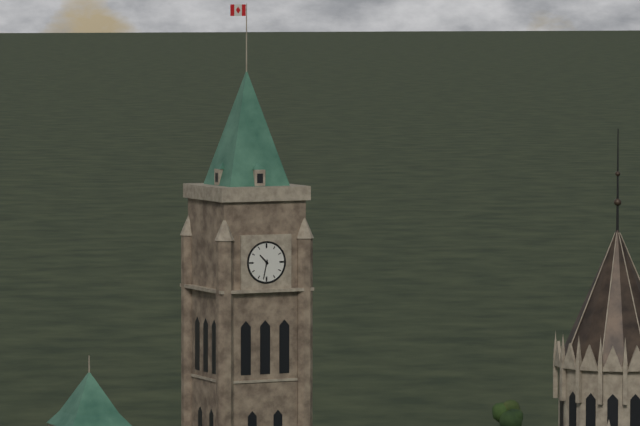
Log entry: 10,32
